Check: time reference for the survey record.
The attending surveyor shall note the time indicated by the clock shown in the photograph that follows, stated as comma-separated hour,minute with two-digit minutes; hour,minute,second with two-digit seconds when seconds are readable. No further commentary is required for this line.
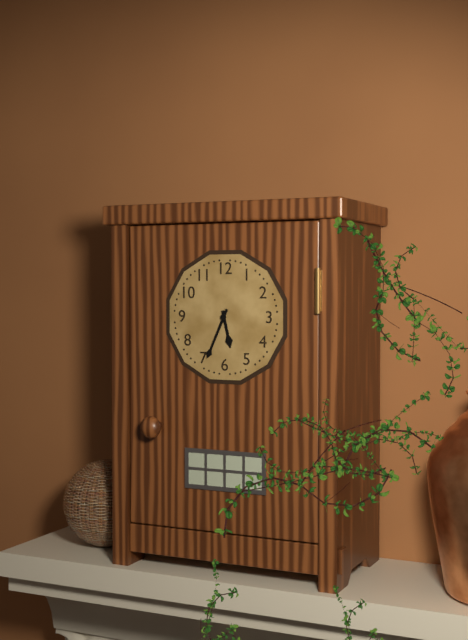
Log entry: 5,34
